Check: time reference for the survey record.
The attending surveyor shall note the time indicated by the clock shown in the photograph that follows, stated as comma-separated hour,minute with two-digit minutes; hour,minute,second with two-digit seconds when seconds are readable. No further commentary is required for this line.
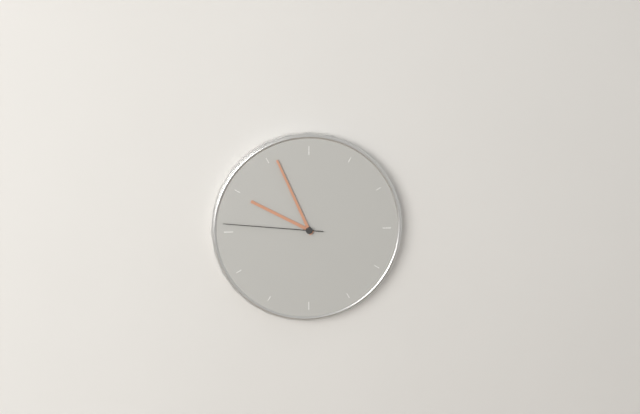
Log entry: 9,56,46
